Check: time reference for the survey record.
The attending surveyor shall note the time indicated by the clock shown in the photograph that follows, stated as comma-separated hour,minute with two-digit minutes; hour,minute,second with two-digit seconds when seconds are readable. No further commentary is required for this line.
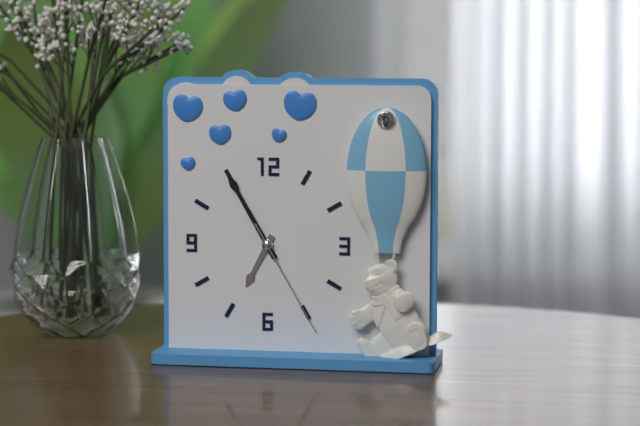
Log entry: 6,55,25
